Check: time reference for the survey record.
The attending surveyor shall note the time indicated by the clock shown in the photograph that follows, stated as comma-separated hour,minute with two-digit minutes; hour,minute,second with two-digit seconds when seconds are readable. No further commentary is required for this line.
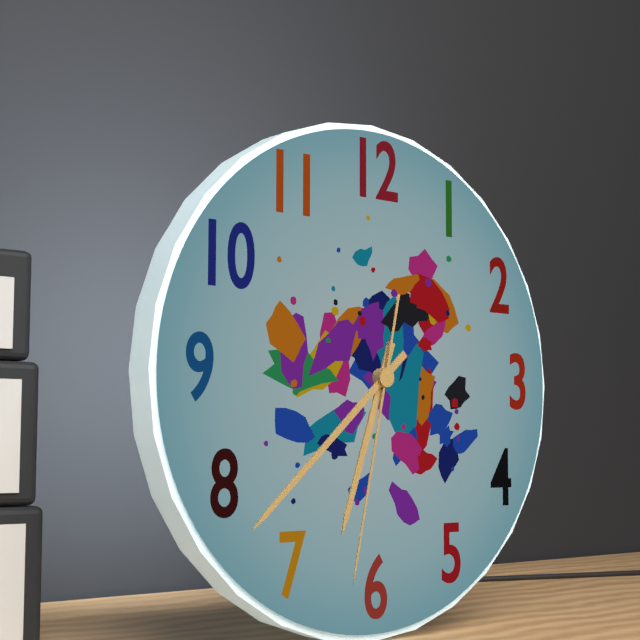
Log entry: 6,38,32
